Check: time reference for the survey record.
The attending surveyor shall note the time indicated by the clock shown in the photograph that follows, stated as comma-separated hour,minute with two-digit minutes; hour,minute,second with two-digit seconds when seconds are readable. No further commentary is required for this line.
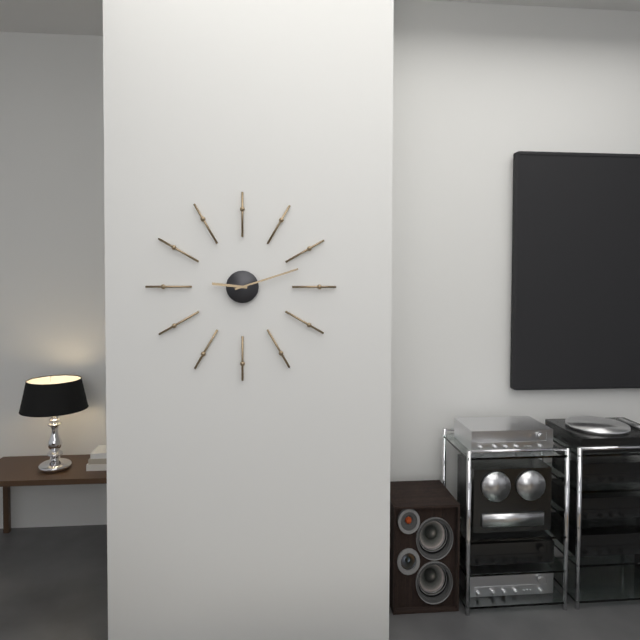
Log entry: 9,12
